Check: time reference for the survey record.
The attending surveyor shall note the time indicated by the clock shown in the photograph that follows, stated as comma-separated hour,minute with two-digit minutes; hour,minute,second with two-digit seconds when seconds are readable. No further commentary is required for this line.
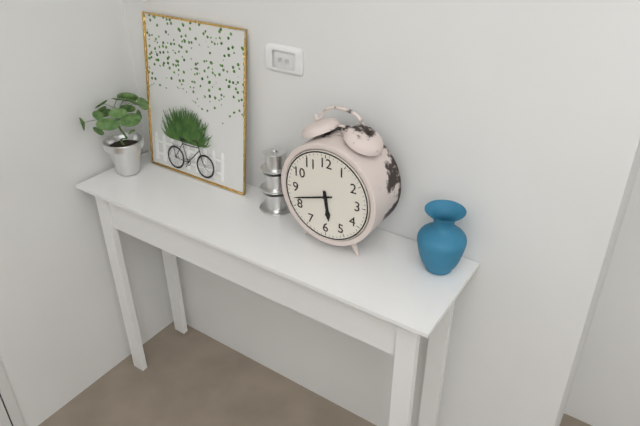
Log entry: 5,42
